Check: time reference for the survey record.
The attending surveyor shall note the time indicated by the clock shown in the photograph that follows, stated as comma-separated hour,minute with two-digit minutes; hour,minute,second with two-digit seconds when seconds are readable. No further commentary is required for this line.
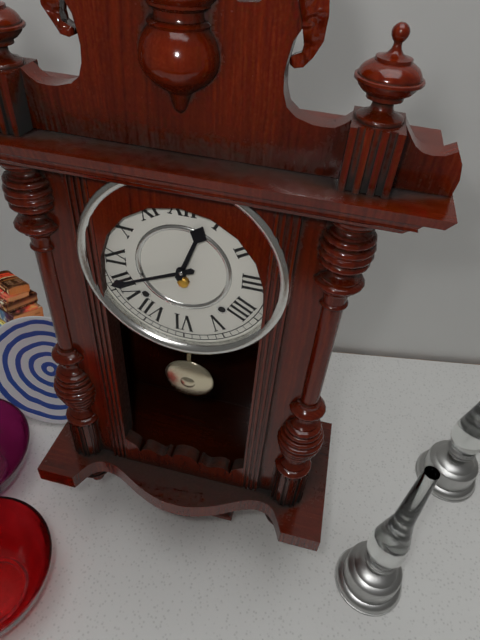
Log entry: 12,41
